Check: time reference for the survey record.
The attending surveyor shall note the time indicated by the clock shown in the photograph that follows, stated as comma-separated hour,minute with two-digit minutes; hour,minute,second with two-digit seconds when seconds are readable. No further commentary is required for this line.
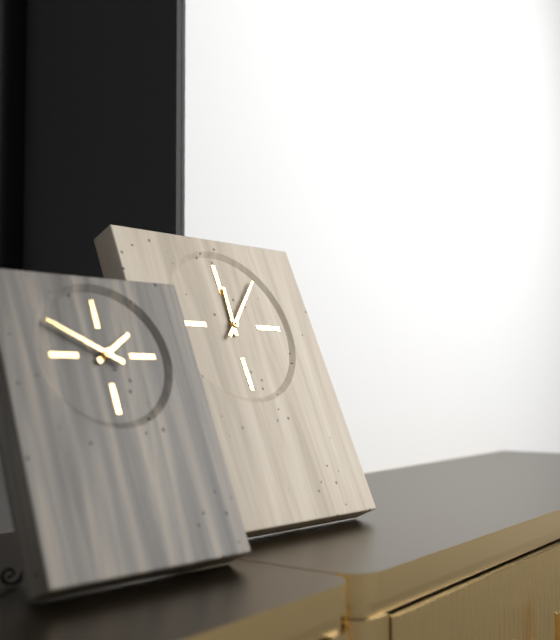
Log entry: 12,07
